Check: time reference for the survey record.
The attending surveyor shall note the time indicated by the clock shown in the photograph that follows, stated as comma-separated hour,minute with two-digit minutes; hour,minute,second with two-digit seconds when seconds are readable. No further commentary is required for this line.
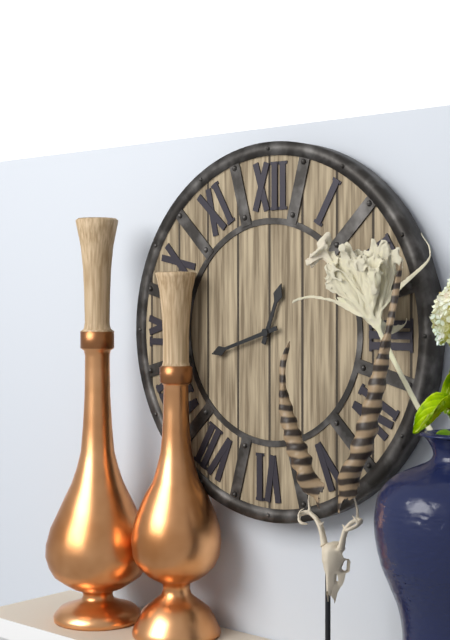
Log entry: 12,42
